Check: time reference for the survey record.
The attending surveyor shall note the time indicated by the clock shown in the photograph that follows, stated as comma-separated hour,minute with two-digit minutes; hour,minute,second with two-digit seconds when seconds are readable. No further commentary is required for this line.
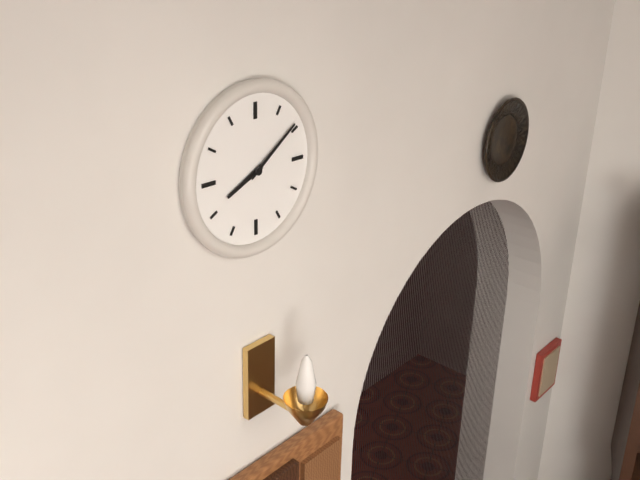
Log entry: 8,09
